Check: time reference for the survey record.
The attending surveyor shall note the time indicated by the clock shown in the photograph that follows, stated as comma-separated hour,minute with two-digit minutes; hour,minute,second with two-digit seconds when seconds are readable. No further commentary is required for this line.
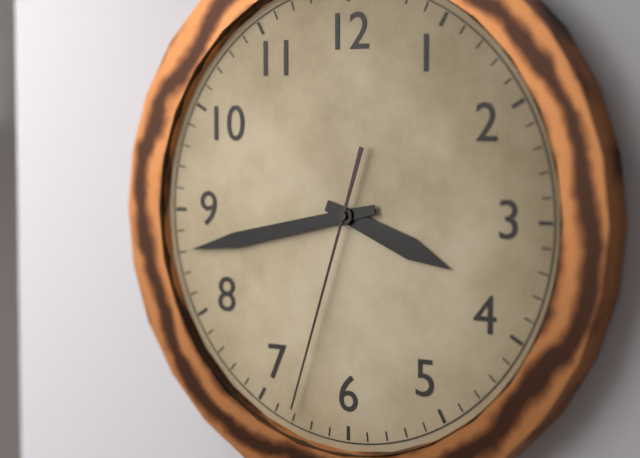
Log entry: 3,43,33
